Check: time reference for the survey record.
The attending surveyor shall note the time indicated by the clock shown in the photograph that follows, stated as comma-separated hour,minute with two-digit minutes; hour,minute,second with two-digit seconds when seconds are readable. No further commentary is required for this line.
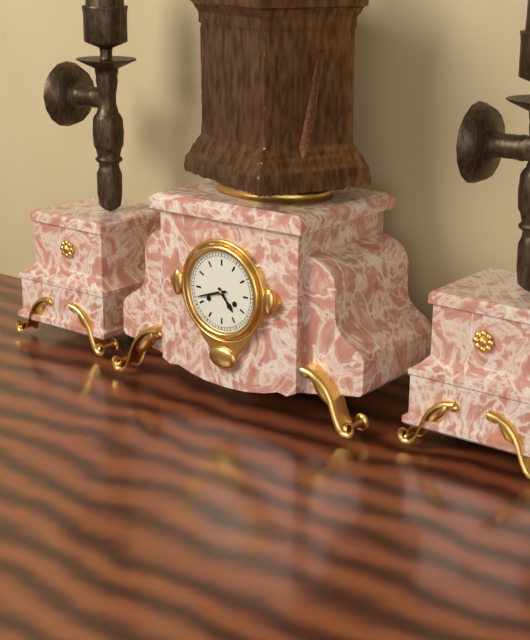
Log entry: 4,42
